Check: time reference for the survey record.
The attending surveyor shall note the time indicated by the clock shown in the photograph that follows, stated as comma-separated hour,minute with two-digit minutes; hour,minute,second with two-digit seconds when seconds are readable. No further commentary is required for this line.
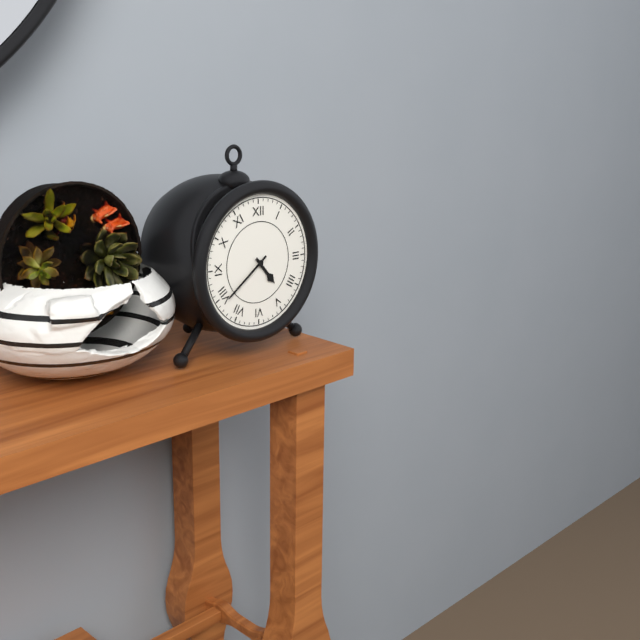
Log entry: 4,39
